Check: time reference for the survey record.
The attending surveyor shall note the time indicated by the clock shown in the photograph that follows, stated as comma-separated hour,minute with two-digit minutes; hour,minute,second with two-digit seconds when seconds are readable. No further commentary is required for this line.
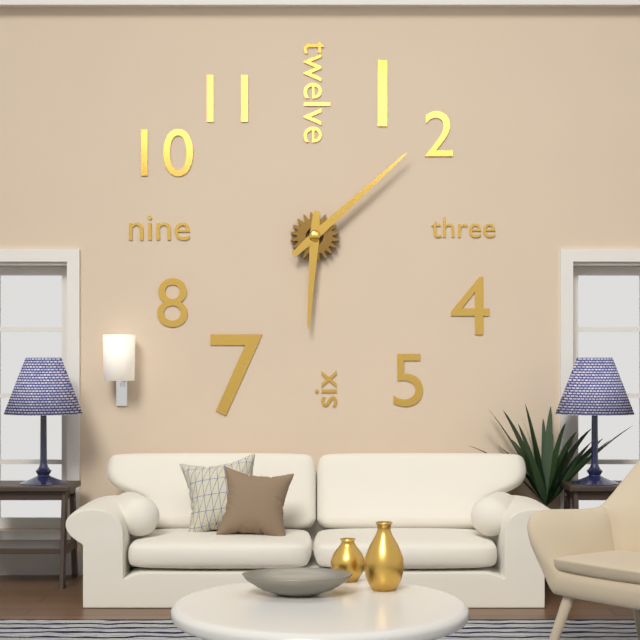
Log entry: 6,08
